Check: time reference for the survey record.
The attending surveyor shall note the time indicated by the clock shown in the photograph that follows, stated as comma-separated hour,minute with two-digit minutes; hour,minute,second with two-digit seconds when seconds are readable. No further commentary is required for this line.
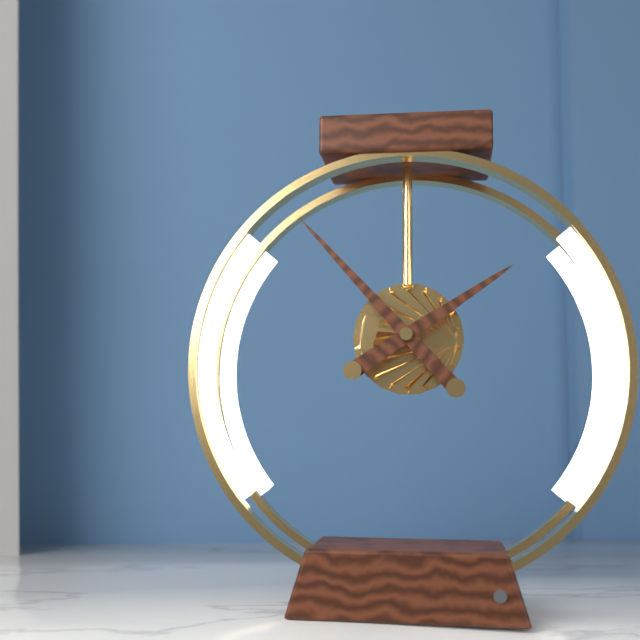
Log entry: 1,53
